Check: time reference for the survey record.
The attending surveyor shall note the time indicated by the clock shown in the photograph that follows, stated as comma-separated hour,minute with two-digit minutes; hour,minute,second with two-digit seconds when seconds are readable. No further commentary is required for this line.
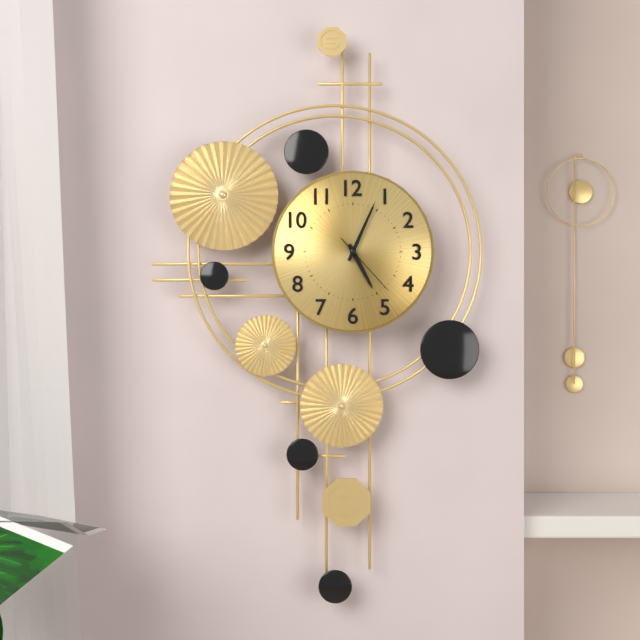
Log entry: 5,04,23
